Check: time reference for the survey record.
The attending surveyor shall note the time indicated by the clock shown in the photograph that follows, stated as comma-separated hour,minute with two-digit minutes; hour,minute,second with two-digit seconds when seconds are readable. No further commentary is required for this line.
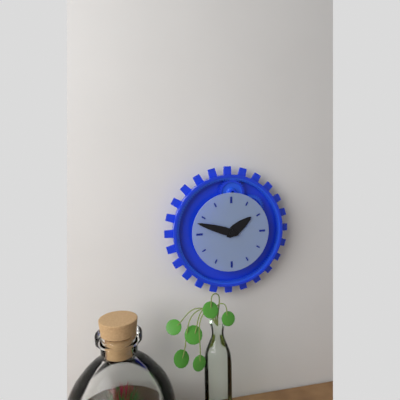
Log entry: 1,48
